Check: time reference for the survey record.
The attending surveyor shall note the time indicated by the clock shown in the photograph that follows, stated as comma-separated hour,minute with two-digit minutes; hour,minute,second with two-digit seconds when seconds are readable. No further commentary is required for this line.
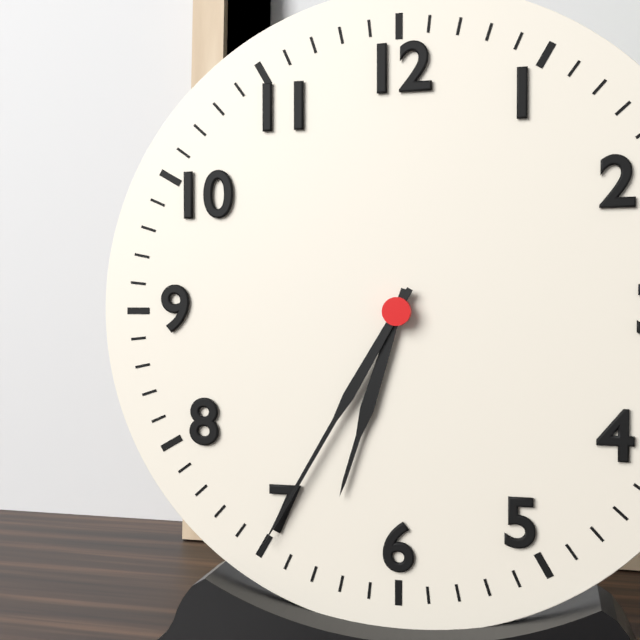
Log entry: 6,35
